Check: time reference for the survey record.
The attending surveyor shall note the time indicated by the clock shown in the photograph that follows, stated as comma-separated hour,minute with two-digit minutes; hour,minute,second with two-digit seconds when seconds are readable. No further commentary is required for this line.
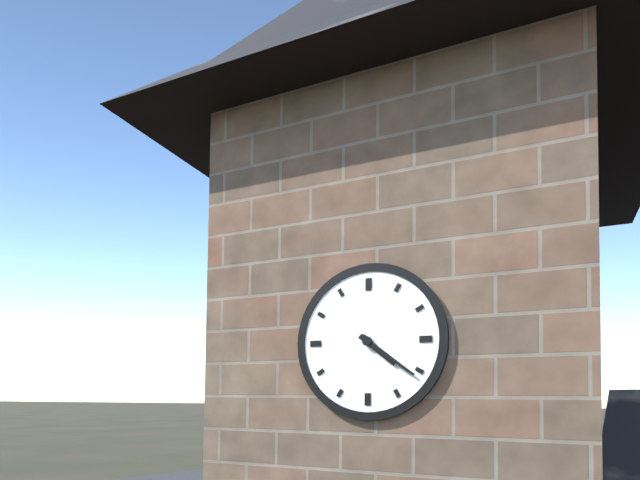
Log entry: 4,21
